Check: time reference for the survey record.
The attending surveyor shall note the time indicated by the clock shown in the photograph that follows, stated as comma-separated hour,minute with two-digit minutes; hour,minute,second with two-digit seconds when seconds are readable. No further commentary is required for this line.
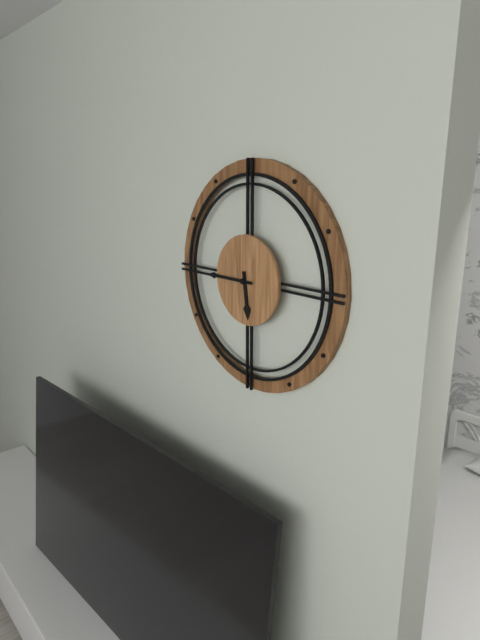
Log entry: 5,45
